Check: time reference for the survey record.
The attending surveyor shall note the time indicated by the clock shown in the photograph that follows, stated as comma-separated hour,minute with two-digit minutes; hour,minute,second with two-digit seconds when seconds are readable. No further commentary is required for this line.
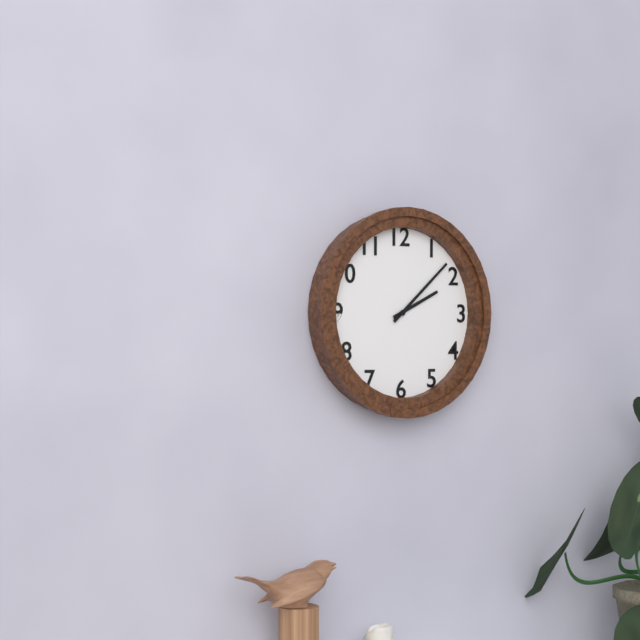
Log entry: 2,08
